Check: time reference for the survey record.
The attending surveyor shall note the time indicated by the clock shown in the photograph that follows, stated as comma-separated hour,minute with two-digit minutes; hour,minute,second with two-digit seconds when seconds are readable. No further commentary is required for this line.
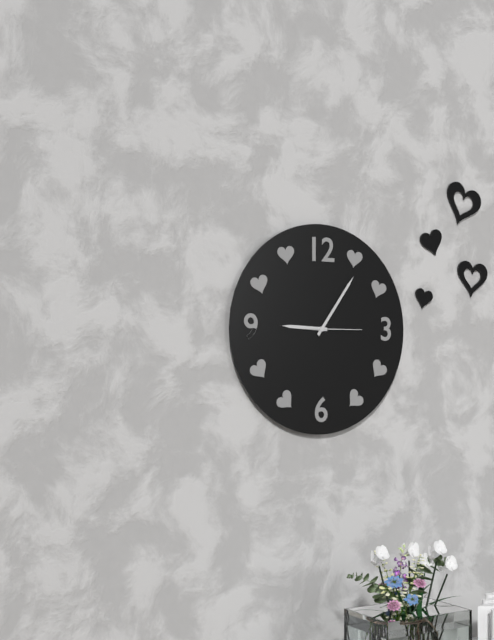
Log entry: 9,06,15
